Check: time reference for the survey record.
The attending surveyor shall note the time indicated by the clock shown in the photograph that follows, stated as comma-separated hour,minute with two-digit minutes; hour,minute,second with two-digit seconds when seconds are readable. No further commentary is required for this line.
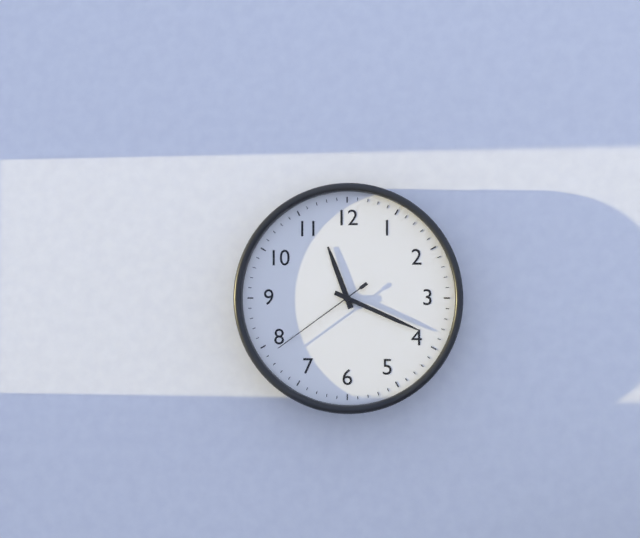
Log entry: 11,19,39
